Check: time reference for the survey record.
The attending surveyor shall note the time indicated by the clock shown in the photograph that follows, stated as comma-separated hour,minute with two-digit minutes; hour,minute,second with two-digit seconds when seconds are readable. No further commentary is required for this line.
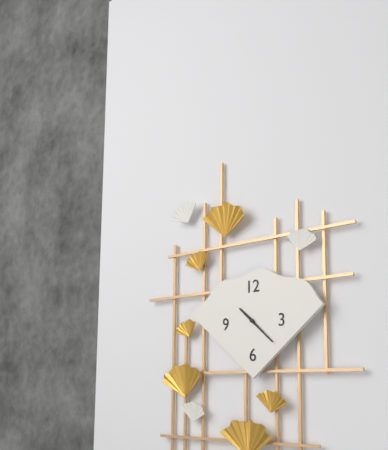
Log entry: 10,22
